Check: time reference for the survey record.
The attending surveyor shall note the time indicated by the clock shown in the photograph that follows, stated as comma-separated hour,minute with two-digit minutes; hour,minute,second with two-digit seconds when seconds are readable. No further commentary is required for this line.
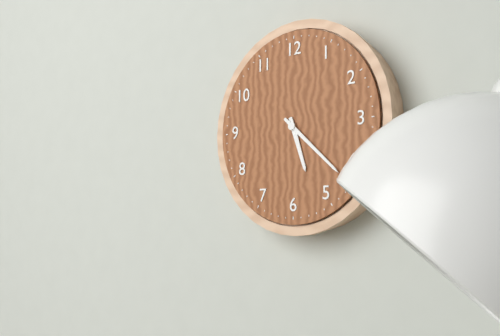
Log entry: 5,22
